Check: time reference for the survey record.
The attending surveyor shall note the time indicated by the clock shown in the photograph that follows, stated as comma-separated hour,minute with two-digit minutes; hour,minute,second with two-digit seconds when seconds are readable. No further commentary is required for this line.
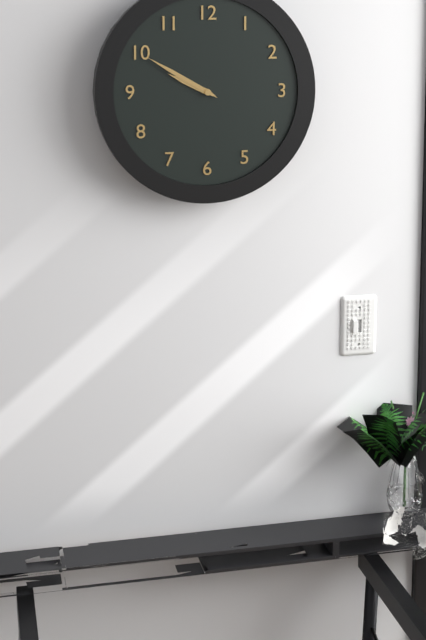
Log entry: 9,50
